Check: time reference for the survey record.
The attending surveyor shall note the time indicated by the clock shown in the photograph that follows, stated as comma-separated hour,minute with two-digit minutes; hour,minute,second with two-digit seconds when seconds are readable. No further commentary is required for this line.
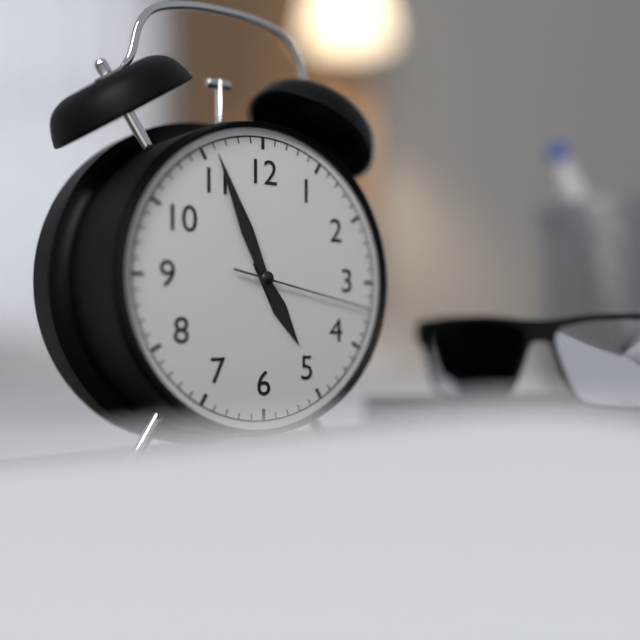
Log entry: 4,56,17
